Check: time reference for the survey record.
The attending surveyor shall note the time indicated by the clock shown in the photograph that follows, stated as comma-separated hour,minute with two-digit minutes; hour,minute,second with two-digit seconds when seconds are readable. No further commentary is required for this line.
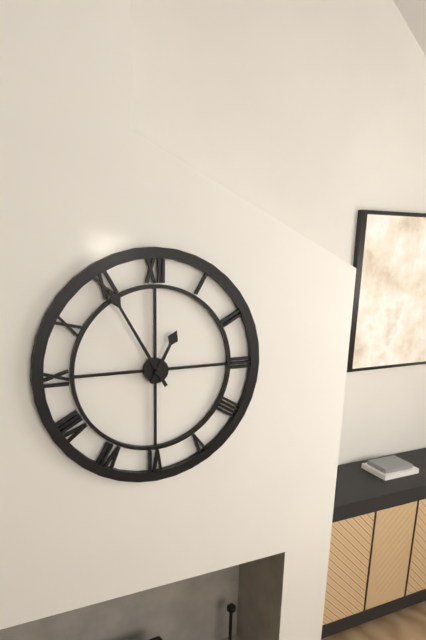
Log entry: 12,55
